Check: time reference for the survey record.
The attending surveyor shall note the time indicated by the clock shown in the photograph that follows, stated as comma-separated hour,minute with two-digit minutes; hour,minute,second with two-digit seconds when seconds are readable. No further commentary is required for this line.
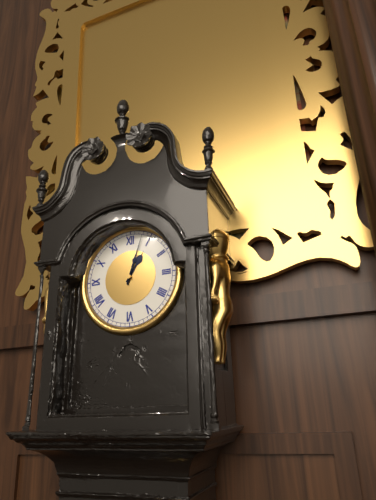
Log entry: 1,03
